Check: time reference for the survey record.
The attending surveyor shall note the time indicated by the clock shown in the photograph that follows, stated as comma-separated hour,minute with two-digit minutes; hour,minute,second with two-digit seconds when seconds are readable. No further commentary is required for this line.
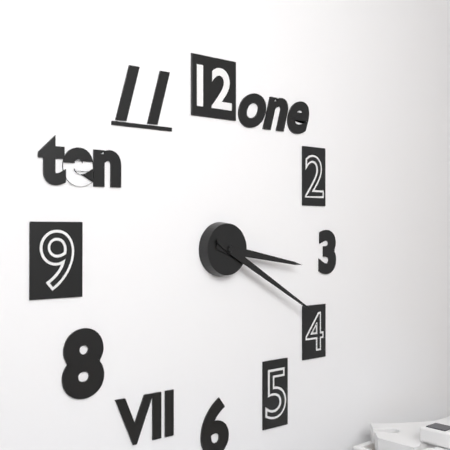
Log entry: 3,20
